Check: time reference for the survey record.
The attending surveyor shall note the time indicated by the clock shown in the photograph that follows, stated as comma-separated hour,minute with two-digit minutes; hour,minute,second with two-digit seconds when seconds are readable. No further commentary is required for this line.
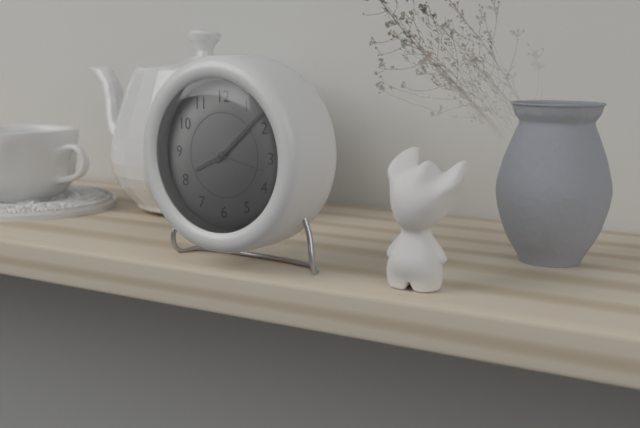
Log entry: 8,08
